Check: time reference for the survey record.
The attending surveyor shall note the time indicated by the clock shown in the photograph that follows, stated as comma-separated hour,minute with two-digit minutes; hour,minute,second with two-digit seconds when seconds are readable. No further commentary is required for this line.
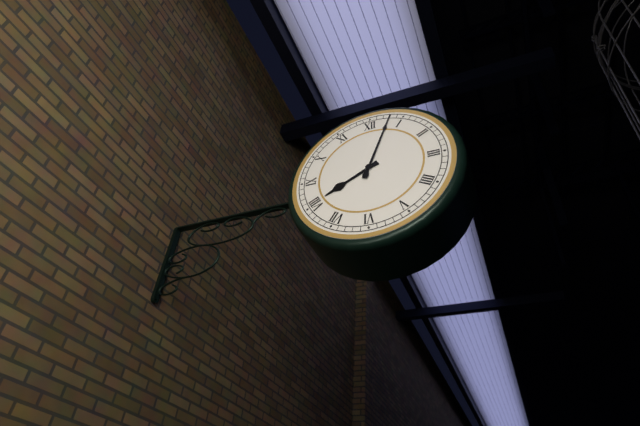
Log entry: 8,03
